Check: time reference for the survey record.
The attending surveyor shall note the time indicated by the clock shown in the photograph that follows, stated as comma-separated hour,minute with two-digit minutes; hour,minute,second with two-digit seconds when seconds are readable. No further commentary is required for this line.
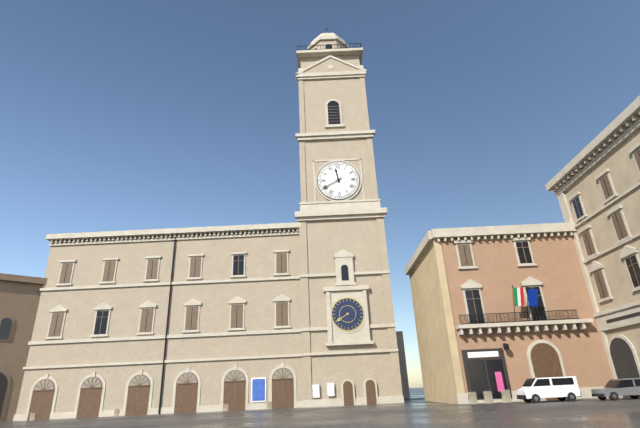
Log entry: 11,40
